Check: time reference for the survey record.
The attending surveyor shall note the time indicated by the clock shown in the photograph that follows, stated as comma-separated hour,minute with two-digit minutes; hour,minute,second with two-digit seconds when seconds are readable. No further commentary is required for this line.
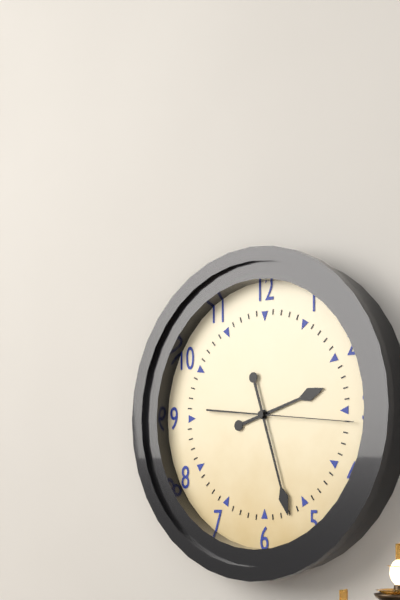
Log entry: 2,27,16
